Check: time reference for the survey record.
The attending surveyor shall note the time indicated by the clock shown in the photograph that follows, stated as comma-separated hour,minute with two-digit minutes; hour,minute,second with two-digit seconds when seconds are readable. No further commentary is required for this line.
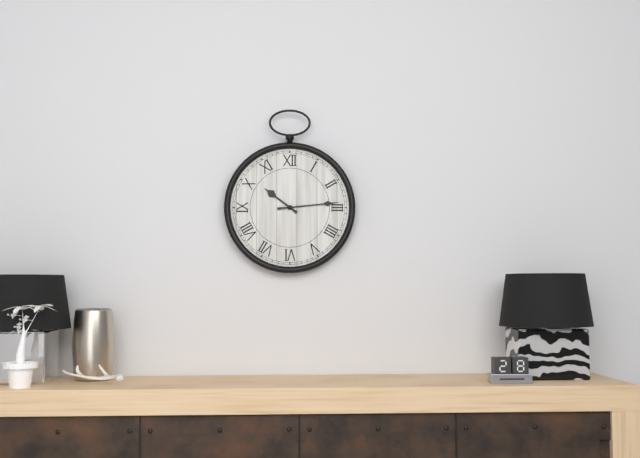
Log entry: 10,14
